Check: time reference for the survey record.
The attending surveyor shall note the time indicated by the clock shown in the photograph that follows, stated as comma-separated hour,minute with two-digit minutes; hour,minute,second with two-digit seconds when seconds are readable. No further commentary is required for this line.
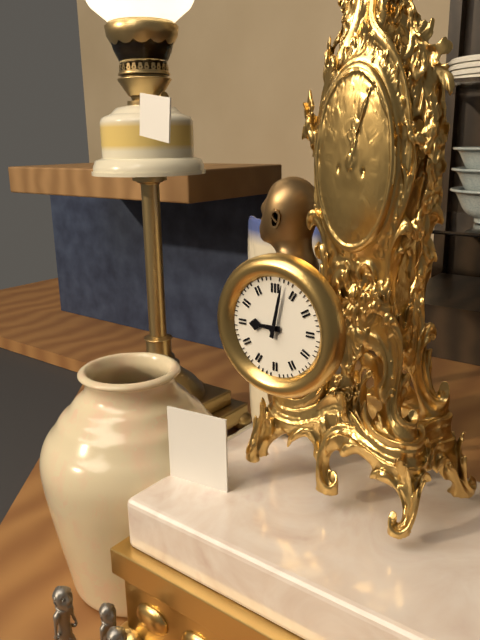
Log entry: 9,02
